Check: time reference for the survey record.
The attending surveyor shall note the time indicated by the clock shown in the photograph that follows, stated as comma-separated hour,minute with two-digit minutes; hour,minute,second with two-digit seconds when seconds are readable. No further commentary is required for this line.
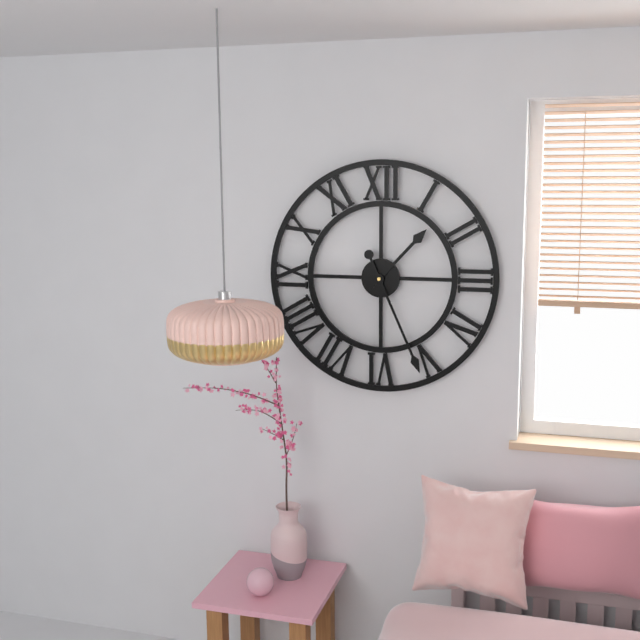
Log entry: 1,26
